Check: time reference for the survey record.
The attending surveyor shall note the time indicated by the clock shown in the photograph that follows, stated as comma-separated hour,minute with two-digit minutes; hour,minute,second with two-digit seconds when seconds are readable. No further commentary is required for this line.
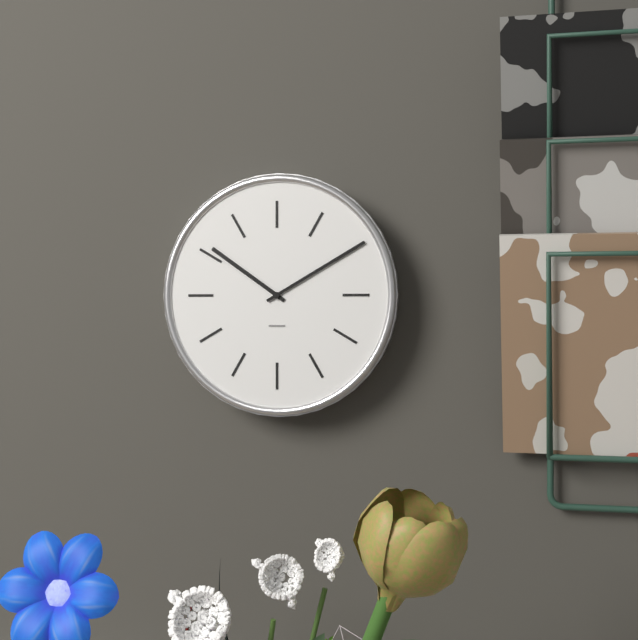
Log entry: 10,10
